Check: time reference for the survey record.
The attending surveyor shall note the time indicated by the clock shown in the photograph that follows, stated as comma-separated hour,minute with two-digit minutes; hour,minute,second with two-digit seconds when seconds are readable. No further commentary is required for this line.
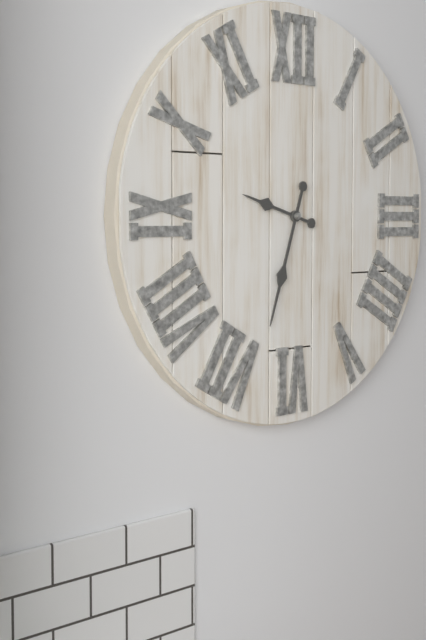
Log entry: 9,33
